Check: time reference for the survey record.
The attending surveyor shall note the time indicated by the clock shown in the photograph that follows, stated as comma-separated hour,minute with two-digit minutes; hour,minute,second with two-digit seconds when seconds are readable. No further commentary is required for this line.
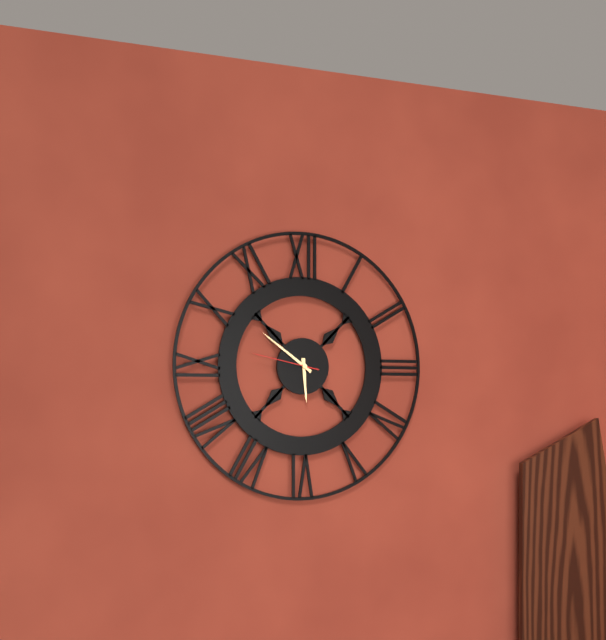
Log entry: 5,51,47
